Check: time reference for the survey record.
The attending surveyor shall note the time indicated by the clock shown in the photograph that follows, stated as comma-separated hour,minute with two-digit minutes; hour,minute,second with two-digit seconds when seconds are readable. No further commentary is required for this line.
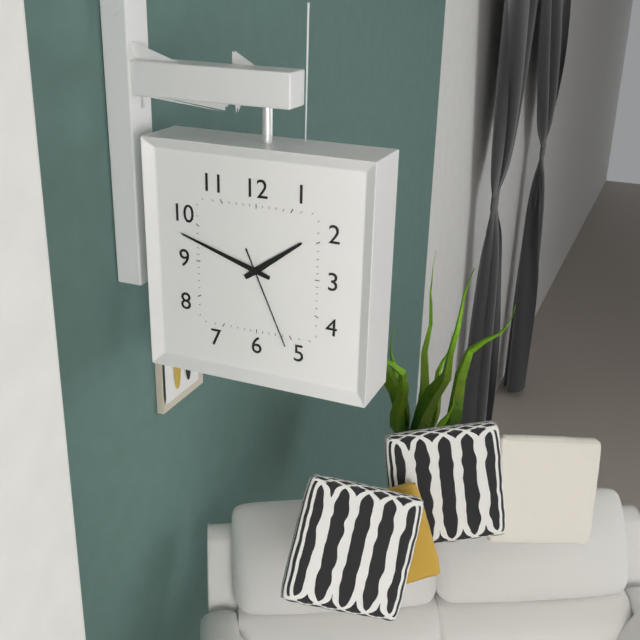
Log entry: 1,48,26
